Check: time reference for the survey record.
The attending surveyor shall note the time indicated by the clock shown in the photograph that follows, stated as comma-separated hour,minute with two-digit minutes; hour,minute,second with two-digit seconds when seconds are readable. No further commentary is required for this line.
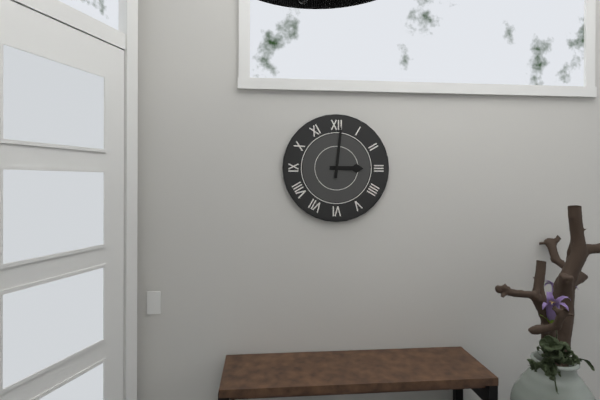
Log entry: 3,01
